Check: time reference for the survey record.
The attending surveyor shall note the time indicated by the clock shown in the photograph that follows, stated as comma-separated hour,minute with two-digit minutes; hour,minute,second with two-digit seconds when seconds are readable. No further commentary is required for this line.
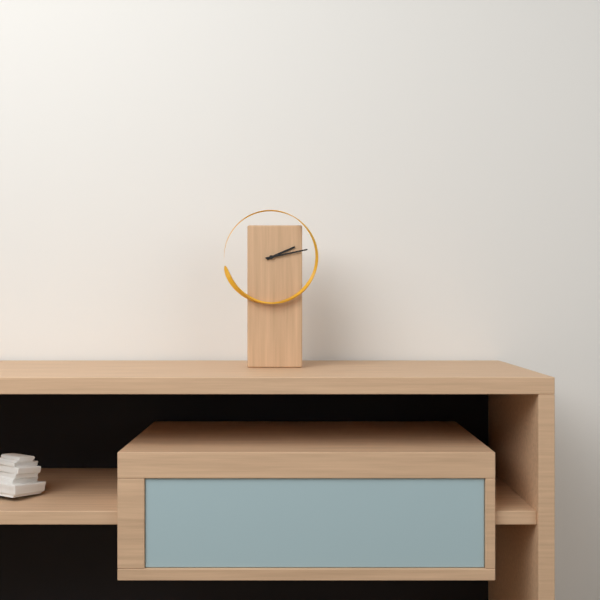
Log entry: 2,13
